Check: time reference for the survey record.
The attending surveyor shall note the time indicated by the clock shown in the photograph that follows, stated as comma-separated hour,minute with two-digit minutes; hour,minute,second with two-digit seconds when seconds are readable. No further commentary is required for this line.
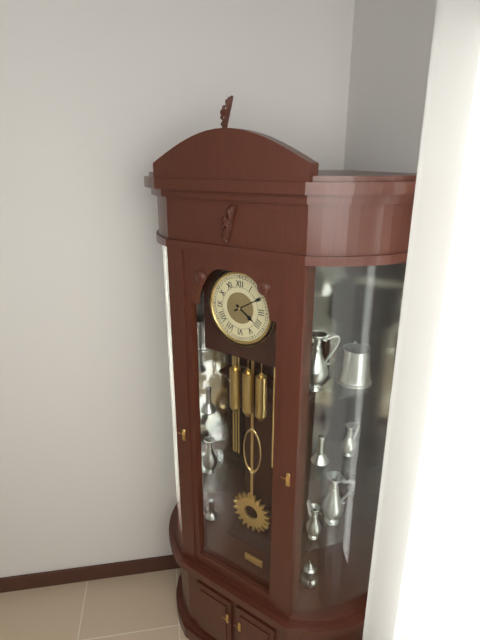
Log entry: 4,10
